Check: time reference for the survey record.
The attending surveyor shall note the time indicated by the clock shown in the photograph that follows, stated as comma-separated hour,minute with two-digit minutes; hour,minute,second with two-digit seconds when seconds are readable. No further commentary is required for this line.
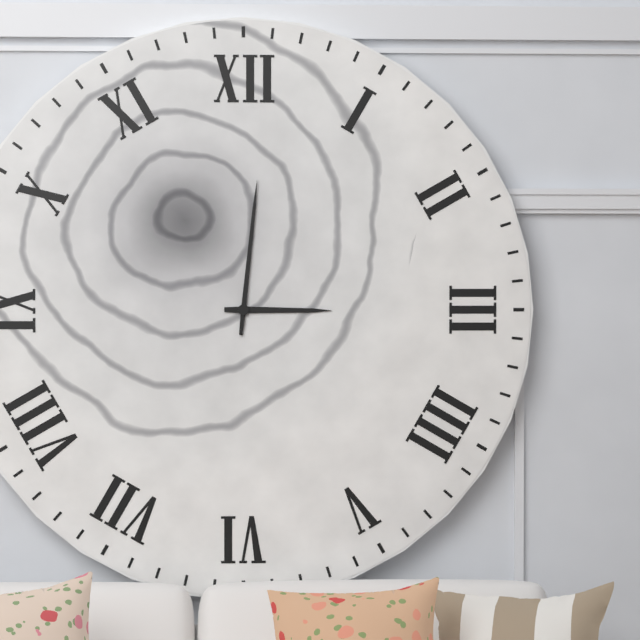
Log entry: 3,01
